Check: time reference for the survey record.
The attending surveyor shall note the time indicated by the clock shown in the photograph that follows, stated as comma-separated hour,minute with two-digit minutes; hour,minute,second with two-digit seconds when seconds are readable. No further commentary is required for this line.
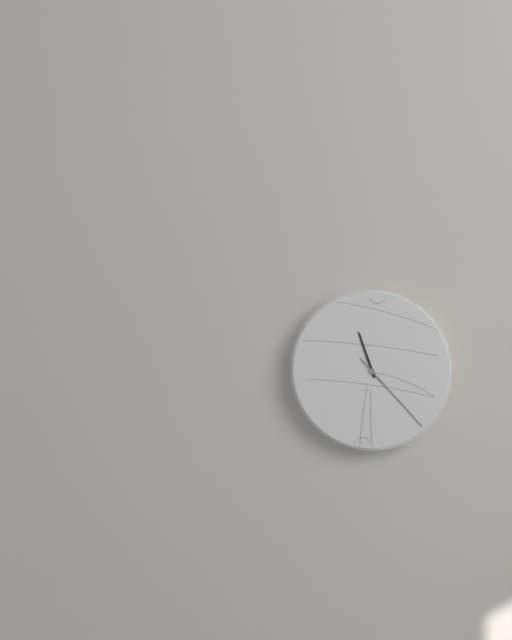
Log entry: 11,23
